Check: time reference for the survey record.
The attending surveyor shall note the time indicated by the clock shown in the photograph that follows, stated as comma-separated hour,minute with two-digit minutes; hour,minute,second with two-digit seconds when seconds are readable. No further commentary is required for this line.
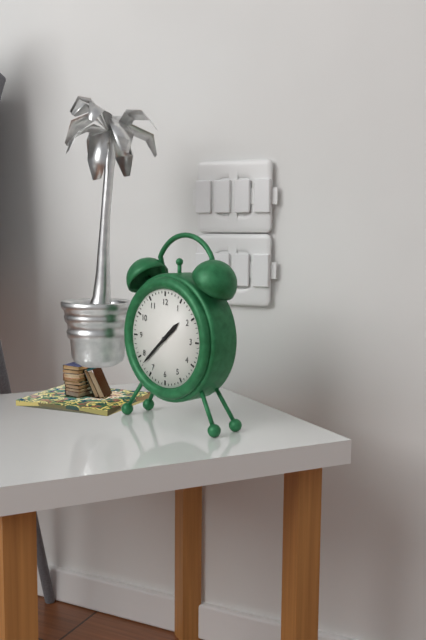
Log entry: 1,38
